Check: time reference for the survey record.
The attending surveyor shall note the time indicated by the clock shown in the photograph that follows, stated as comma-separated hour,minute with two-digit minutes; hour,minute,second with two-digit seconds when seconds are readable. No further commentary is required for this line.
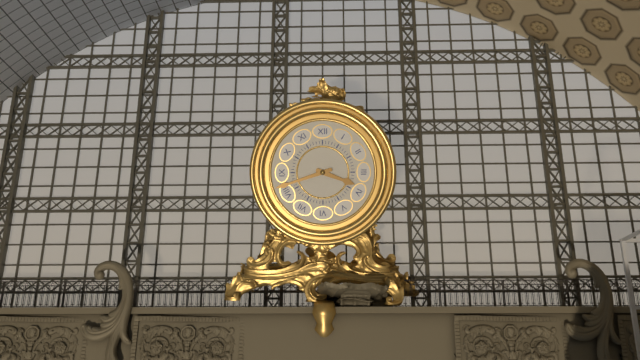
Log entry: 3,42
